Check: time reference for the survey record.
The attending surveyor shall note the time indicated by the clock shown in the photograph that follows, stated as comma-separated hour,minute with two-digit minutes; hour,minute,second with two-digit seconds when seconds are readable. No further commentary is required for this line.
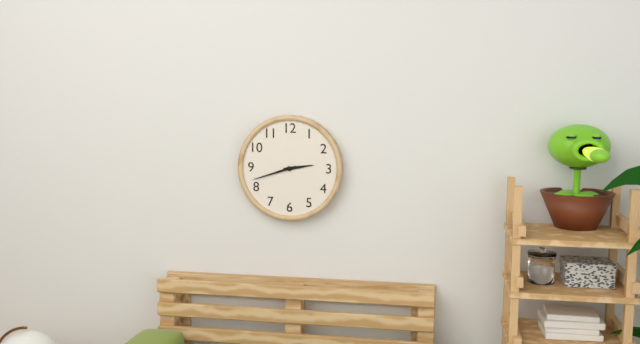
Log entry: 2,42
